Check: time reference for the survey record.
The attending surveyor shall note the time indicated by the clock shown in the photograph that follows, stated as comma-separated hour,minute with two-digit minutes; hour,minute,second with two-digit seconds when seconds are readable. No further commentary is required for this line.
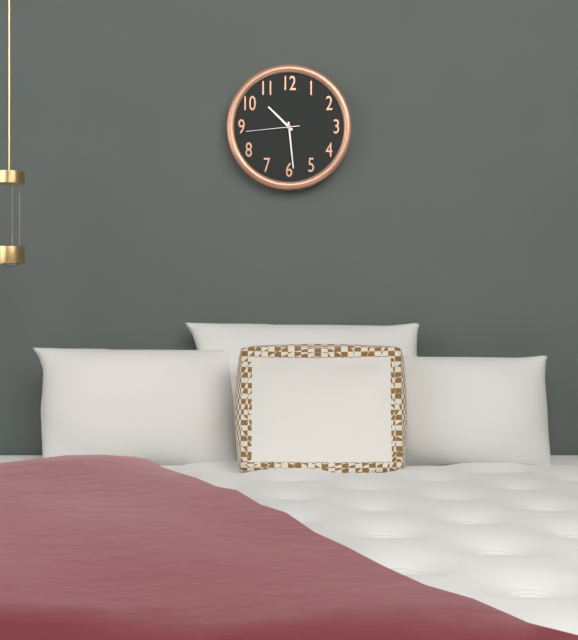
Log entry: 10,29,44
